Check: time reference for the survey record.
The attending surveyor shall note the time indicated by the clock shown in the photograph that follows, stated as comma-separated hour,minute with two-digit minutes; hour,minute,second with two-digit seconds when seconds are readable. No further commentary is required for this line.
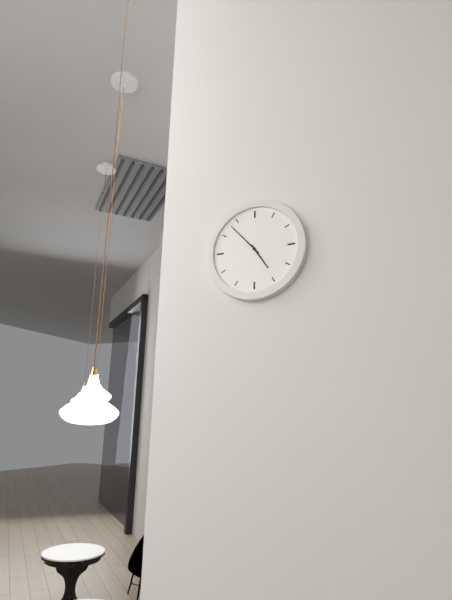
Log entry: 4,53
